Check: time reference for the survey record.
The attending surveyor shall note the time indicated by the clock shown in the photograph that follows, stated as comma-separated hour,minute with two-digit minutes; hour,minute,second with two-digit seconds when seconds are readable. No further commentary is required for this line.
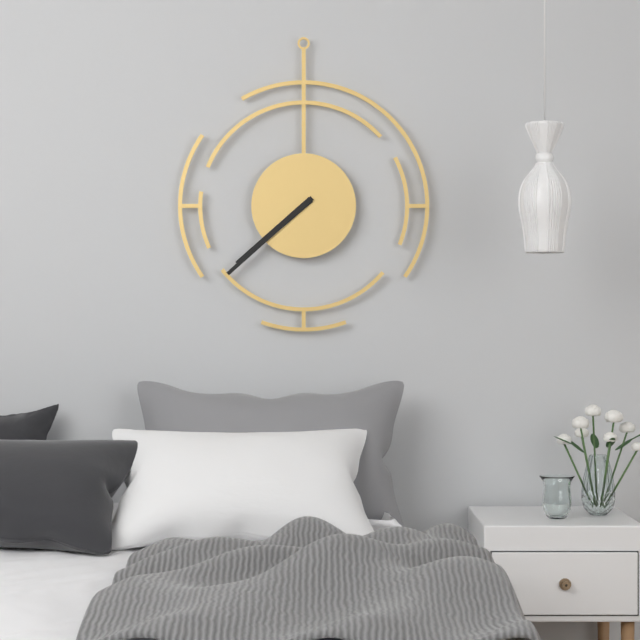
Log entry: 7,38
